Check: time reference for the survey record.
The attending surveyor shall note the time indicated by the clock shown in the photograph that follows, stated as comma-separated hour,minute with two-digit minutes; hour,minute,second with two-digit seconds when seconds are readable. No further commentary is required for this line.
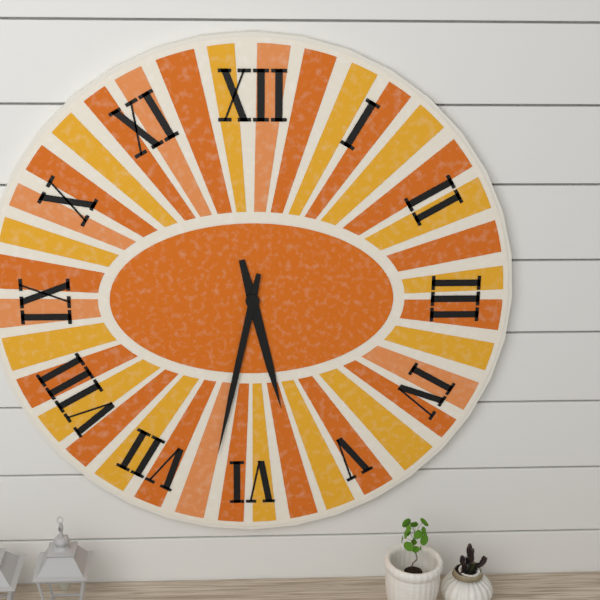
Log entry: 5,32
